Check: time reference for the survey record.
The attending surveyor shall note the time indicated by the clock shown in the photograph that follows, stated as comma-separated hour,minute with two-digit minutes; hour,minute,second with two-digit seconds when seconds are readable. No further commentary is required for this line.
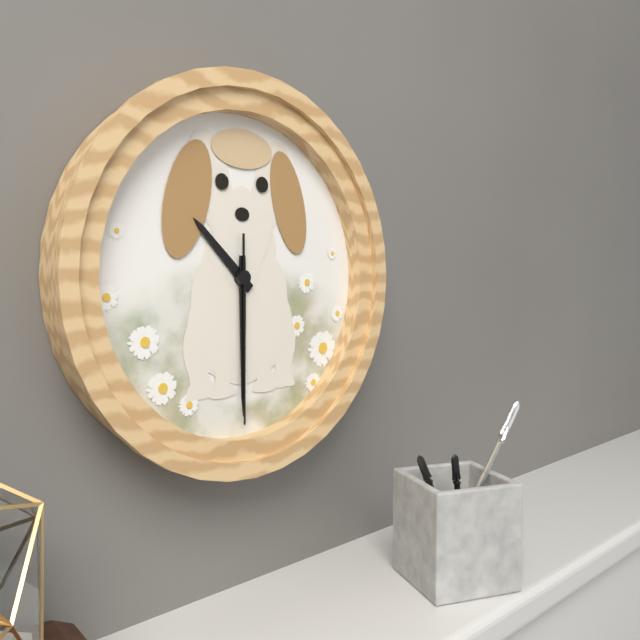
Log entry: 10,30,30
